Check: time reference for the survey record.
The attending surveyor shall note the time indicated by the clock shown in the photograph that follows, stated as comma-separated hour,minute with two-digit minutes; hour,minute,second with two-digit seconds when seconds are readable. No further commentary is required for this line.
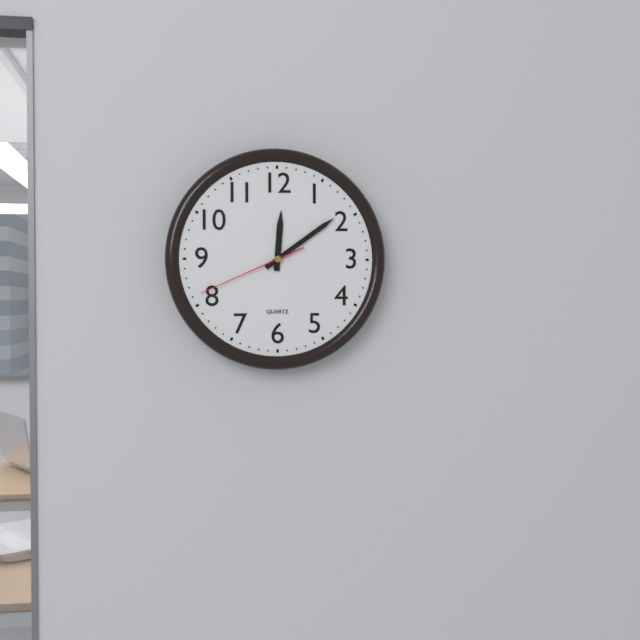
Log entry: 12,09,41
